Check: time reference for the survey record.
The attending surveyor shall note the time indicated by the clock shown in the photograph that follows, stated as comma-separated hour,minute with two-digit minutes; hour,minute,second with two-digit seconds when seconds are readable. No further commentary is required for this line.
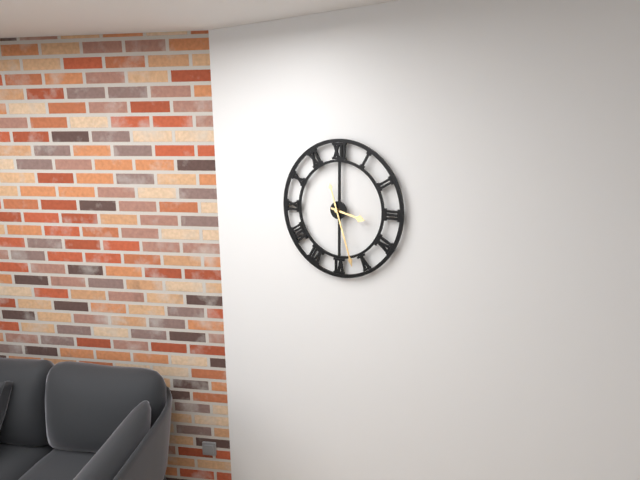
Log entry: 3,27
